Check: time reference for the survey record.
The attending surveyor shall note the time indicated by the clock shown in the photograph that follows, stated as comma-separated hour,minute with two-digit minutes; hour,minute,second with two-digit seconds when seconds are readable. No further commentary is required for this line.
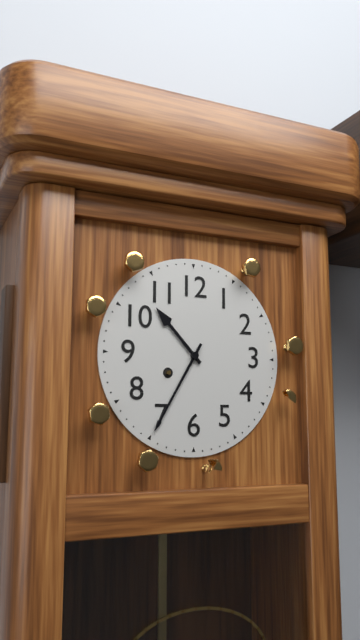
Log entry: 10,35
